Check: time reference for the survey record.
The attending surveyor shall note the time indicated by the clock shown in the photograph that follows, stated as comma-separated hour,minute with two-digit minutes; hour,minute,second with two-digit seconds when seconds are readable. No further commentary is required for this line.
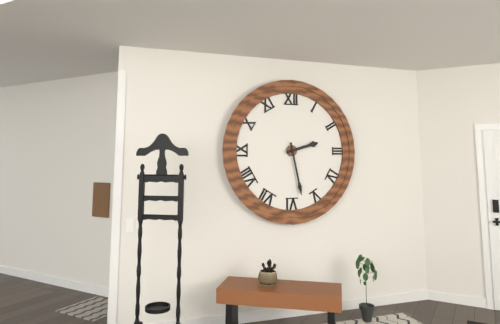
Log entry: 2,28
